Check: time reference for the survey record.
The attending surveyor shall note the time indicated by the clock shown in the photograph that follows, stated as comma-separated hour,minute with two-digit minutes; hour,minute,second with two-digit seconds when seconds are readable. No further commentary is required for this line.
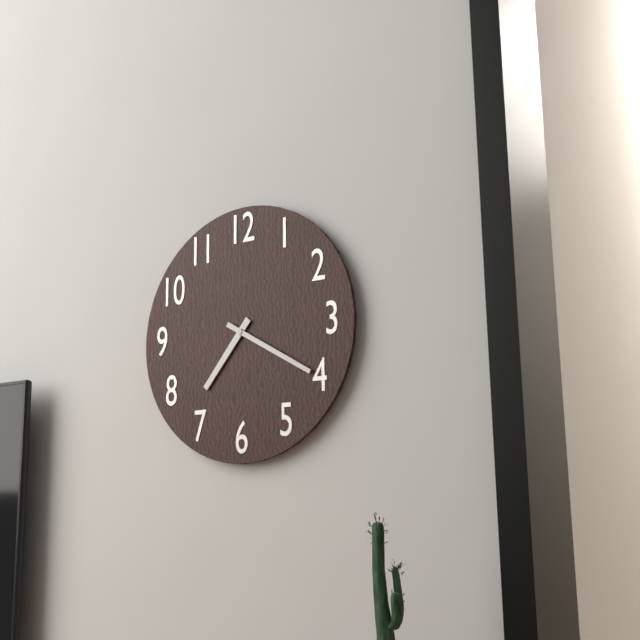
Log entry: 7,20
